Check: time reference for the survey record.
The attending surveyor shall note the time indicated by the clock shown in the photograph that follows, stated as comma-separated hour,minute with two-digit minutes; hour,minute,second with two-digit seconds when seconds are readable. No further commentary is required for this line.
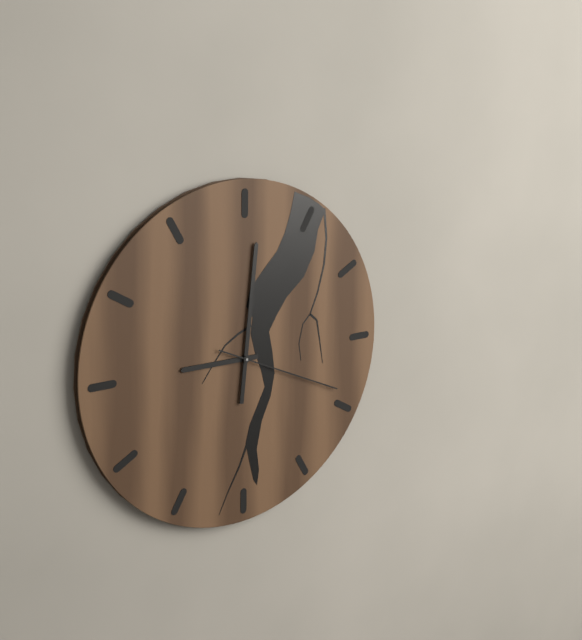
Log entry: 9,01,19
